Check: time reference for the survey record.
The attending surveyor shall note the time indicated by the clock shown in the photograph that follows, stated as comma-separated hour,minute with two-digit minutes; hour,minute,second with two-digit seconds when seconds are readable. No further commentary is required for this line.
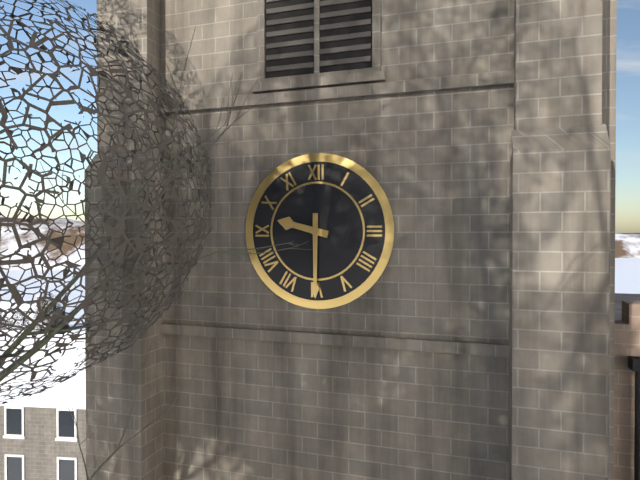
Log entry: 9,30
